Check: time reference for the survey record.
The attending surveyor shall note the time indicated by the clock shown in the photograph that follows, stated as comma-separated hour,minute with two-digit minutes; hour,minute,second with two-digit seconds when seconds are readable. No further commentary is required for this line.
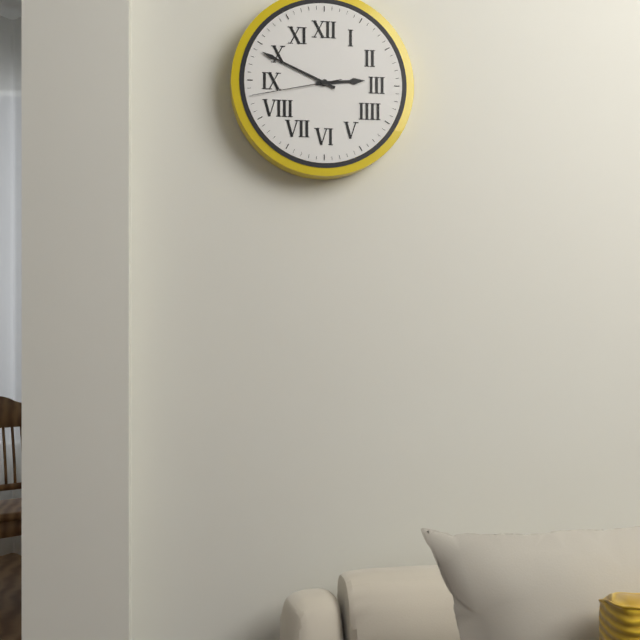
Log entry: 2,49,43
